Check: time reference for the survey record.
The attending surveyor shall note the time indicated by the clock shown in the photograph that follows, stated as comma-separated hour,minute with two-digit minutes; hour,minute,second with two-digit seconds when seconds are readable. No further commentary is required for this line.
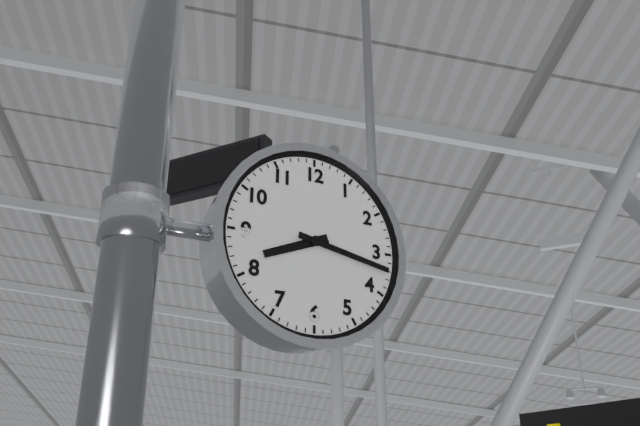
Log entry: 8,17
